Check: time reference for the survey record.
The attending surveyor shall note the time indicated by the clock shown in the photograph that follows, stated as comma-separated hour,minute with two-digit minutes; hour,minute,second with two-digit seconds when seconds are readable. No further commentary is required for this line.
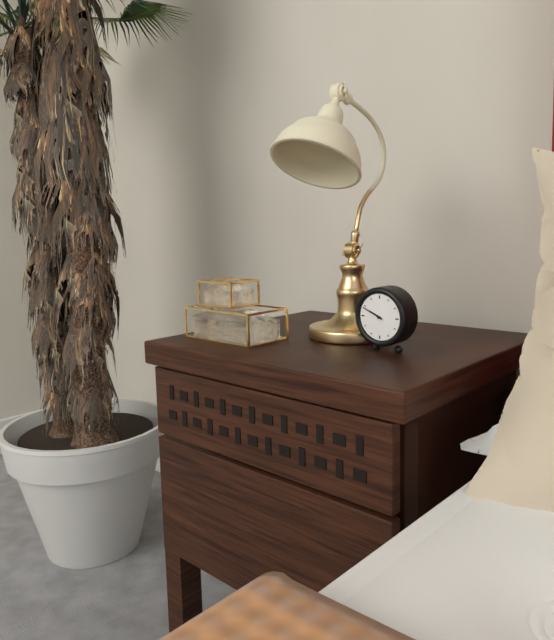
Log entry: 9,49
